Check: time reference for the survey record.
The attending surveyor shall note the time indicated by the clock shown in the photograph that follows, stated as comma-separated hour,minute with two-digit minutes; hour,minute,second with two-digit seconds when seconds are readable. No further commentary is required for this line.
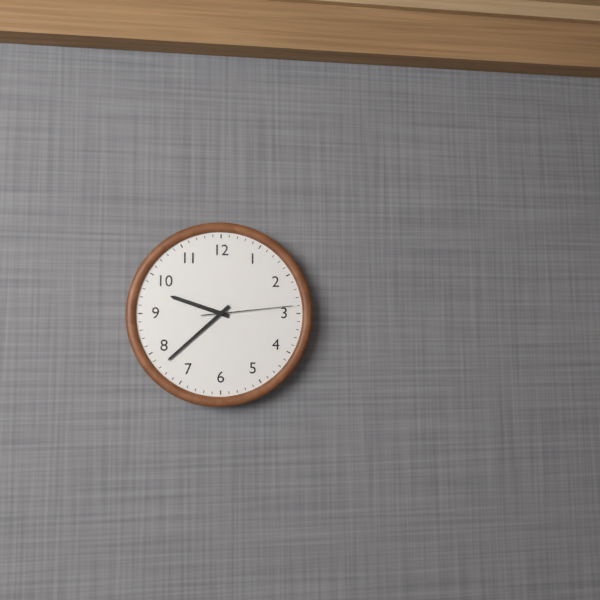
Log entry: 9,38,14
